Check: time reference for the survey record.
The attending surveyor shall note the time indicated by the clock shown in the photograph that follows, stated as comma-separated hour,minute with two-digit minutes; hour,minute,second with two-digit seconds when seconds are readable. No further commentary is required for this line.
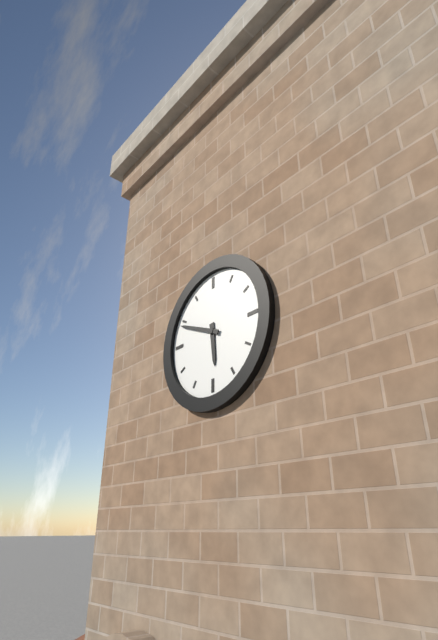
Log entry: 5,49
